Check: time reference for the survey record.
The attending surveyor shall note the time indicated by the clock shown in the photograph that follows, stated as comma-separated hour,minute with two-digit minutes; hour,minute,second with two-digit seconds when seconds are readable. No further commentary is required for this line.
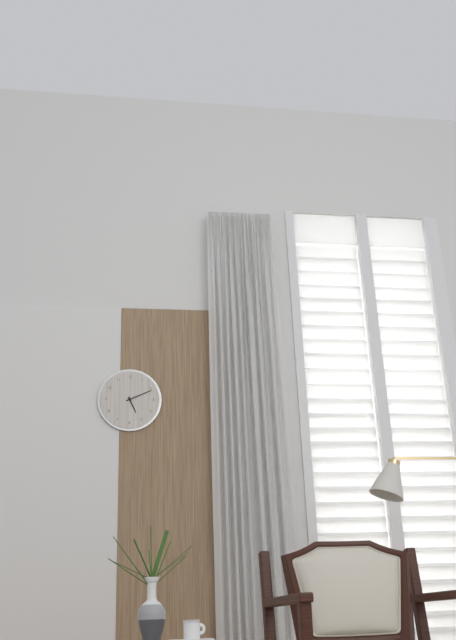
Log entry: 5,11
